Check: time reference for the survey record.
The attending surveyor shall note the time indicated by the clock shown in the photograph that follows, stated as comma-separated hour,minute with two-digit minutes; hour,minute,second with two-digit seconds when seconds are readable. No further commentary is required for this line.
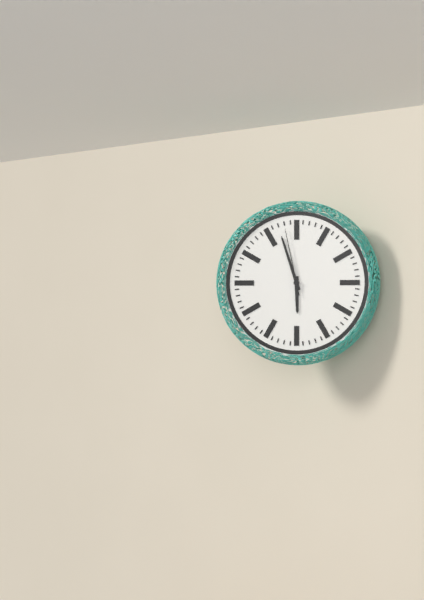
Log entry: 5,57,58
